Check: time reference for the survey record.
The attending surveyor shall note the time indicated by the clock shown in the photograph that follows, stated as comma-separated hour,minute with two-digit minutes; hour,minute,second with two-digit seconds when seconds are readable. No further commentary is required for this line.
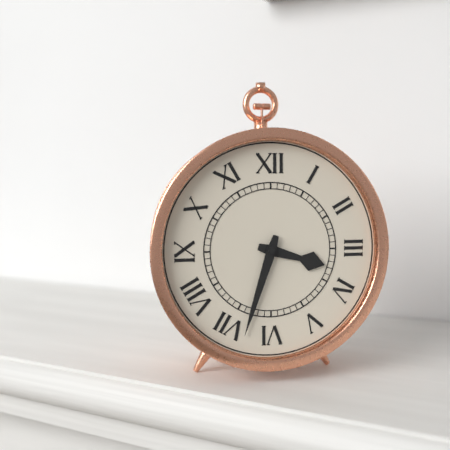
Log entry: 3,33
